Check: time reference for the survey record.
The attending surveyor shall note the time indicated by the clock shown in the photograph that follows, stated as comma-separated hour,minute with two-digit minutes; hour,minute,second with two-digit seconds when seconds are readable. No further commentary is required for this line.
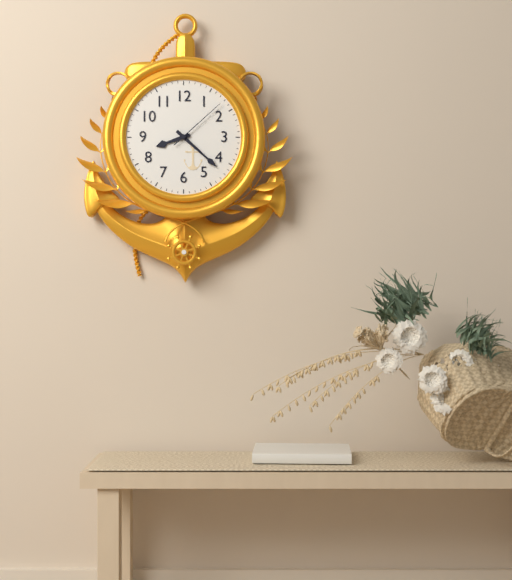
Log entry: 8,22,08
